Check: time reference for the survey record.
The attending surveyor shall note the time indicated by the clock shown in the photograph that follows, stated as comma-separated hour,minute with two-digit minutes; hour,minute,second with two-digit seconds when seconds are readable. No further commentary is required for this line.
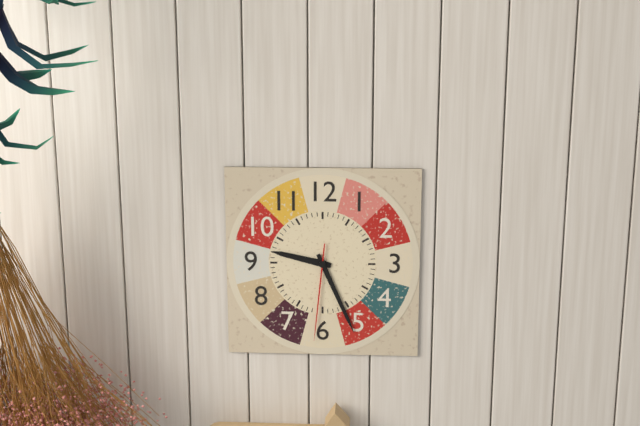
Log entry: 9,26,31
